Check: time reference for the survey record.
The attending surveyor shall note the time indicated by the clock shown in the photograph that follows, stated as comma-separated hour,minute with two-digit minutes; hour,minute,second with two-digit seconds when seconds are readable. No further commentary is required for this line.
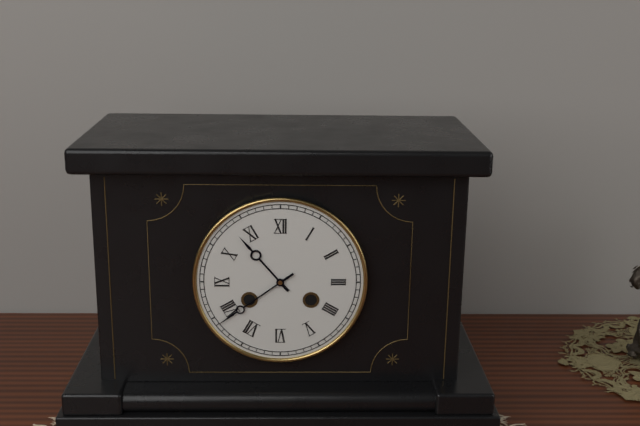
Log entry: 10,39
